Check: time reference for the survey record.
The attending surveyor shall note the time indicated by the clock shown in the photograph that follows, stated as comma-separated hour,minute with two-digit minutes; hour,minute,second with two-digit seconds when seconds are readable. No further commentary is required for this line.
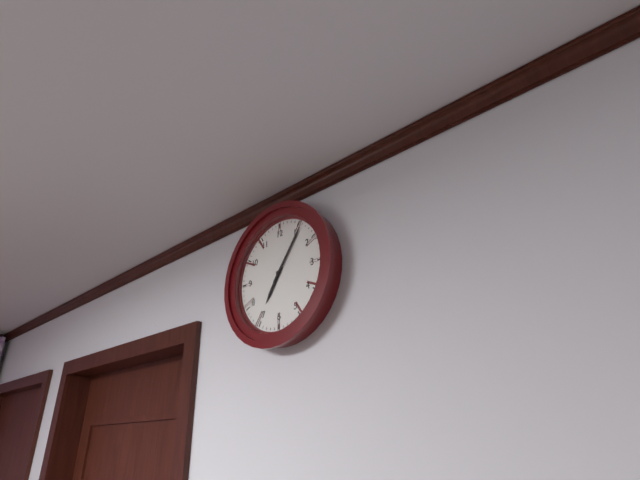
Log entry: 7,06
